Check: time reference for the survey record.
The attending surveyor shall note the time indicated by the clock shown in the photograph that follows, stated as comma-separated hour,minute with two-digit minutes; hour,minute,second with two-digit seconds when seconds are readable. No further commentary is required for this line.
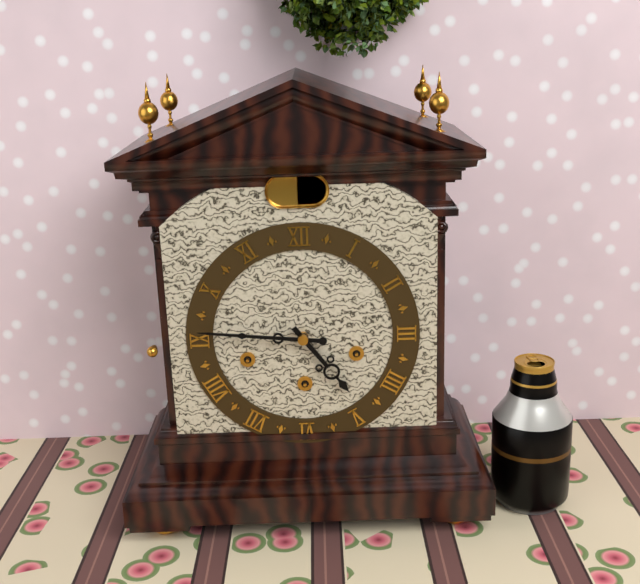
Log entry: 4,46
